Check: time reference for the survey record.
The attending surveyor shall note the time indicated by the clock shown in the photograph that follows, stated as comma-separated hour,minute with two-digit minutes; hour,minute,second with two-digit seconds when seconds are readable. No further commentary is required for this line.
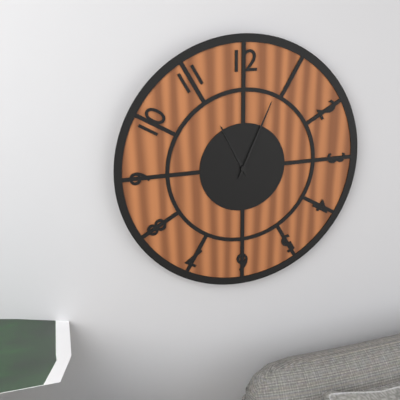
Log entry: 11,04
